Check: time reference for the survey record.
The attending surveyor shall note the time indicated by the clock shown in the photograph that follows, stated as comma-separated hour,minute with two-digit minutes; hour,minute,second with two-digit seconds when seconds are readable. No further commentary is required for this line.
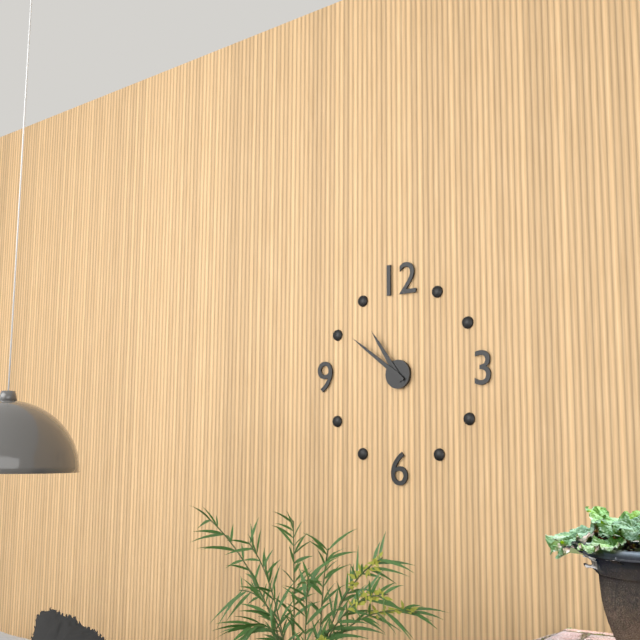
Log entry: 10,51
